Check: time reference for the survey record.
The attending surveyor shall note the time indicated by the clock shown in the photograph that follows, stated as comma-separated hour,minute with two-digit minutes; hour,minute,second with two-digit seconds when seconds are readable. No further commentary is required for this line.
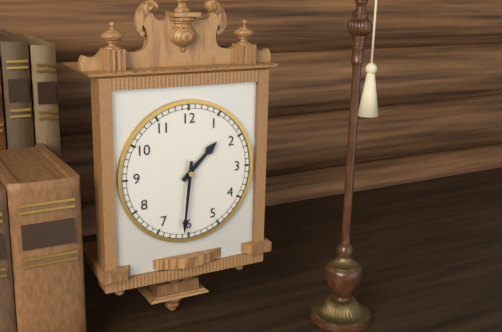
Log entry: 1,31
